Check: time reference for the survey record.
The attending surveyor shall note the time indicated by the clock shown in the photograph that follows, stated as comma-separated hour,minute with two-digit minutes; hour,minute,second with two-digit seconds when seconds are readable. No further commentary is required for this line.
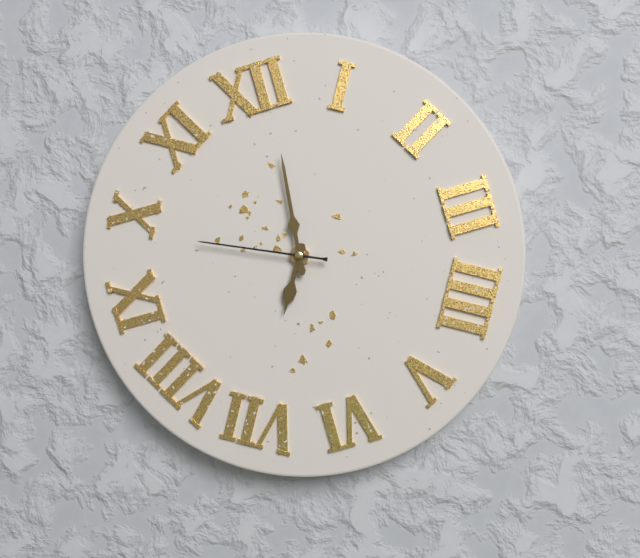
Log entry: 7,01,49
